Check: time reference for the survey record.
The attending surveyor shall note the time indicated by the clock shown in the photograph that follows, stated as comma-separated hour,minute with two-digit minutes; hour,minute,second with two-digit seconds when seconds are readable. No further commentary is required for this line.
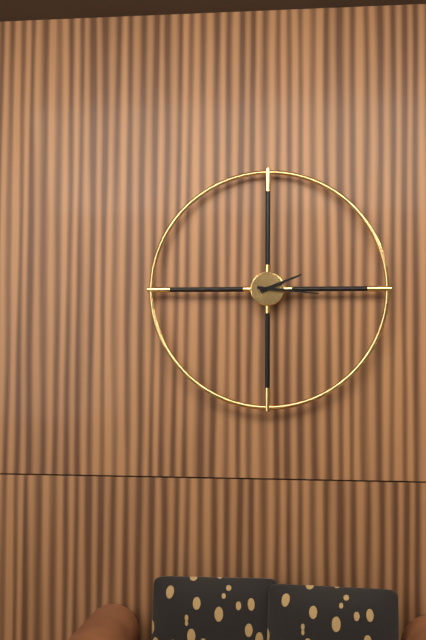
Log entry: 2,16
